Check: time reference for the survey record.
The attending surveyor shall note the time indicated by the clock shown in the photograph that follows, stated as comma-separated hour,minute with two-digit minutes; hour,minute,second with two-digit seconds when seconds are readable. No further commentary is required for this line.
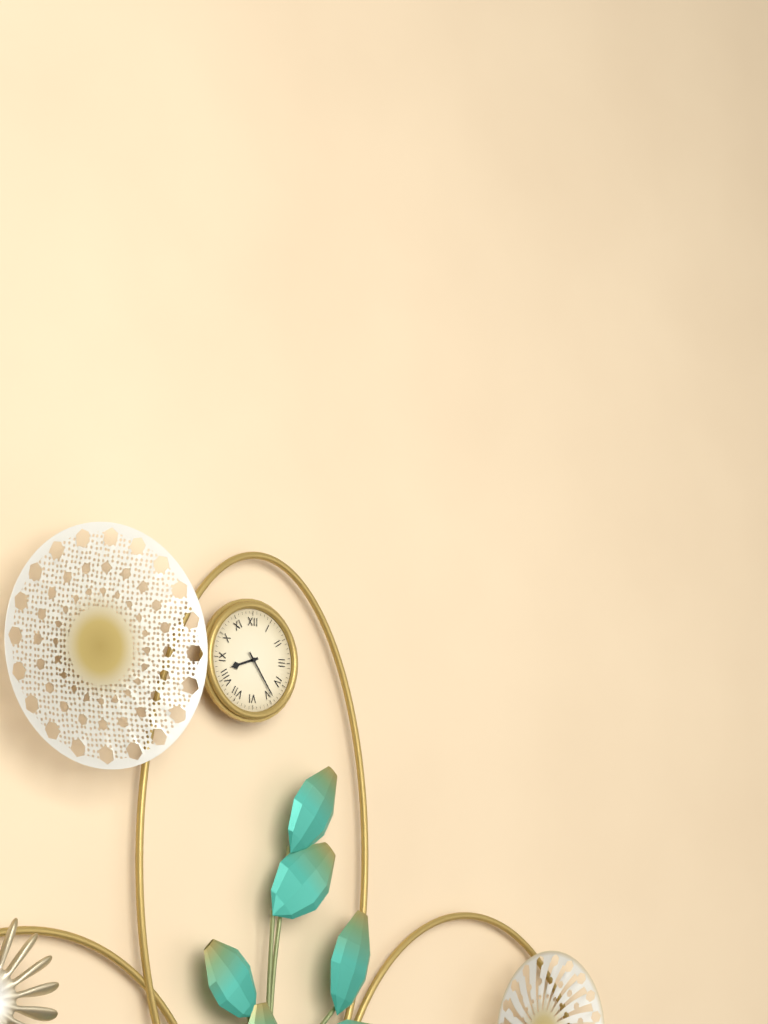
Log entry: 8,24
